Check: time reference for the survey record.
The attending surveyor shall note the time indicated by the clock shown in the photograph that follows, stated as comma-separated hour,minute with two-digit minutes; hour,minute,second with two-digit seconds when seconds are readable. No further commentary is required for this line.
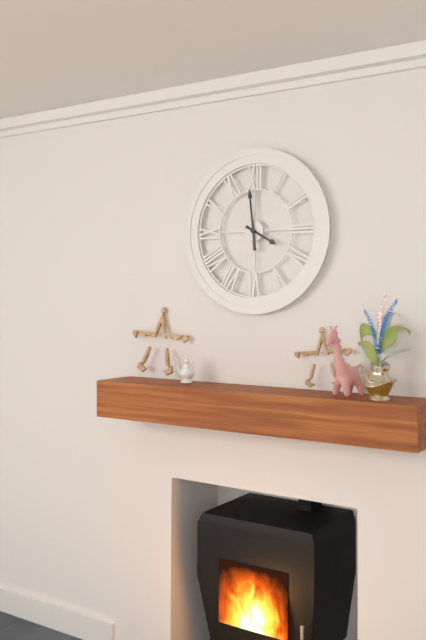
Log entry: 3,59
